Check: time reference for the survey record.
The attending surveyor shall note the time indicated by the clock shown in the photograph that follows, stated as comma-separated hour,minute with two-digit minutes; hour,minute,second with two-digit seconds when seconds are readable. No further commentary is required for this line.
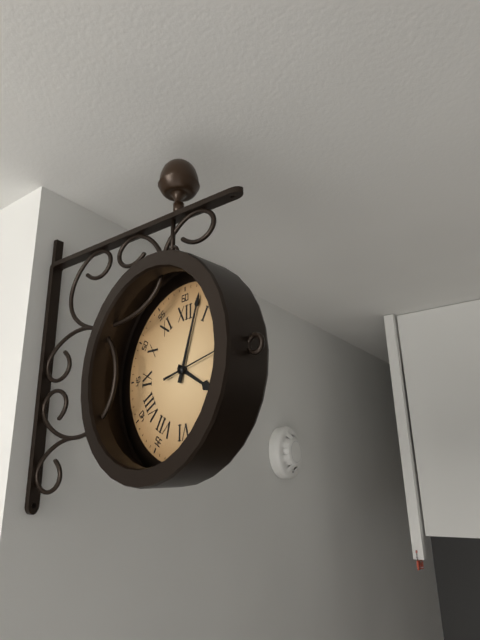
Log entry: 4,03
